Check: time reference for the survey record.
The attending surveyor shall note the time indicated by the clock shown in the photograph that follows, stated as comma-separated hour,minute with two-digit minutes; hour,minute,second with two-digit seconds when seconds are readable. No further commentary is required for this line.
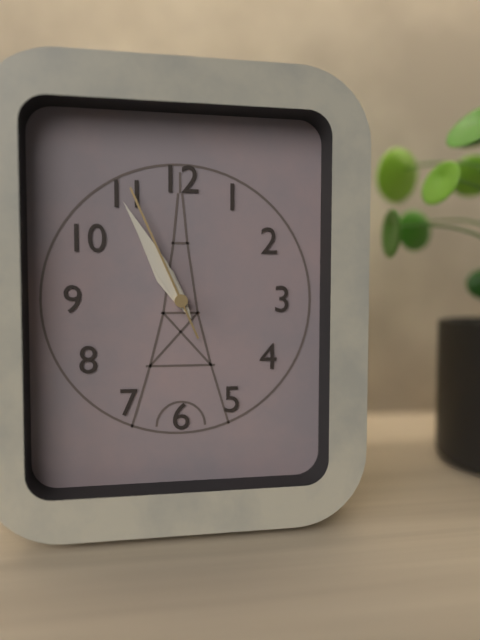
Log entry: 10,55,56
